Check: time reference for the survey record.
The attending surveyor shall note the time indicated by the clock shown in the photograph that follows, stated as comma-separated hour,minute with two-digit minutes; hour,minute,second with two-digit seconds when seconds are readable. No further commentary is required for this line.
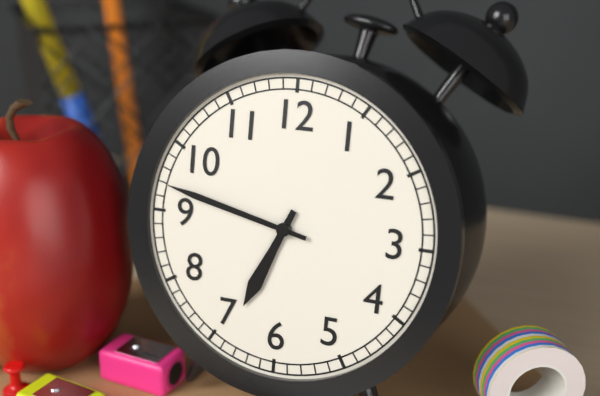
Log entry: 6,47
